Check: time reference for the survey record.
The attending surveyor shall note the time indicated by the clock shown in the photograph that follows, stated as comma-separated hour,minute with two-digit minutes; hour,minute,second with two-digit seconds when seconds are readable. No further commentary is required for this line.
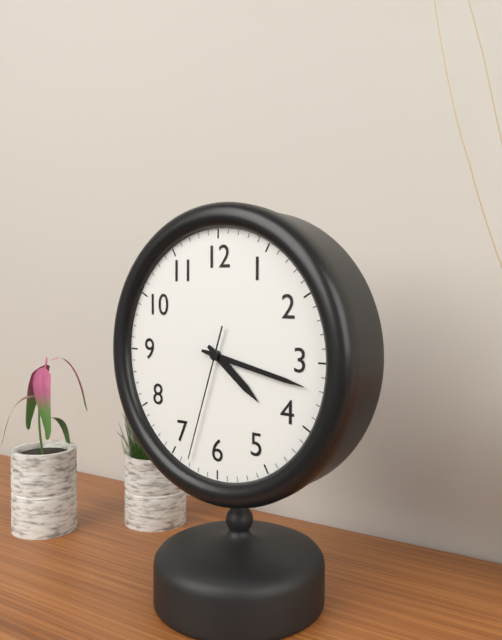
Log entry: 4,17,33
